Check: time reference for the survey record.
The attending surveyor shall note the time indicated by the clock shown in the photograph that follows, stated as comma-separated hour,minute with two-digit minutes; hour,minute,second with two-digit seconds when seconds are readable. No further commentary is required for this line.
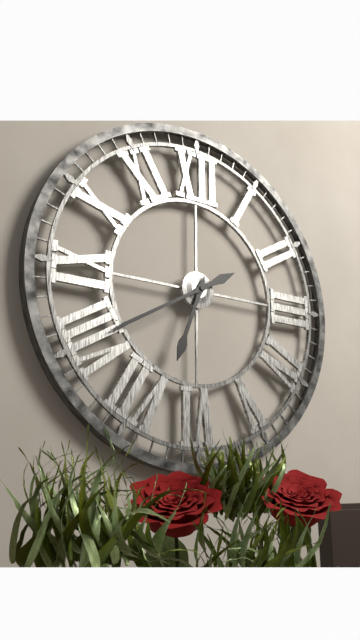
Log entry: 6,40
